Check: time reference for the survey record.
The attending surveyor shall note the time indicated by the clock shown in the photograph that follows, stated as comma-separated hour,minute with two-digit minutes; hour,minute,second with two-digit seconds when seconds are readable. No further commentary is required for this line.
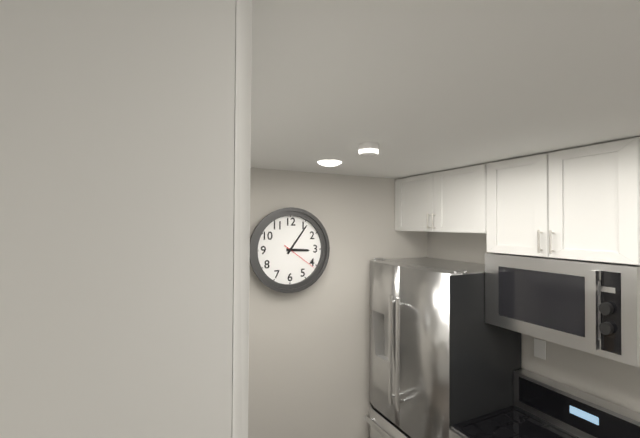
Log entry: 3,06
